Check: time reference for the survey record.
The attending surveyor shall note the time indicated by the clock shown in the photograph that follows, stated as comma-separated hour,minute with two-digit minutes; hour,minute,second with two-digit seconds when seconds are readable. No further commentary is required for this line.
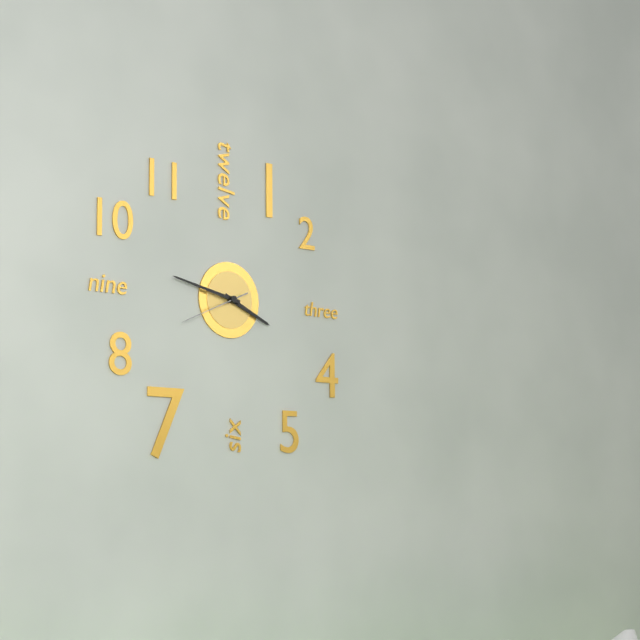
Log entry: 3,47,41
